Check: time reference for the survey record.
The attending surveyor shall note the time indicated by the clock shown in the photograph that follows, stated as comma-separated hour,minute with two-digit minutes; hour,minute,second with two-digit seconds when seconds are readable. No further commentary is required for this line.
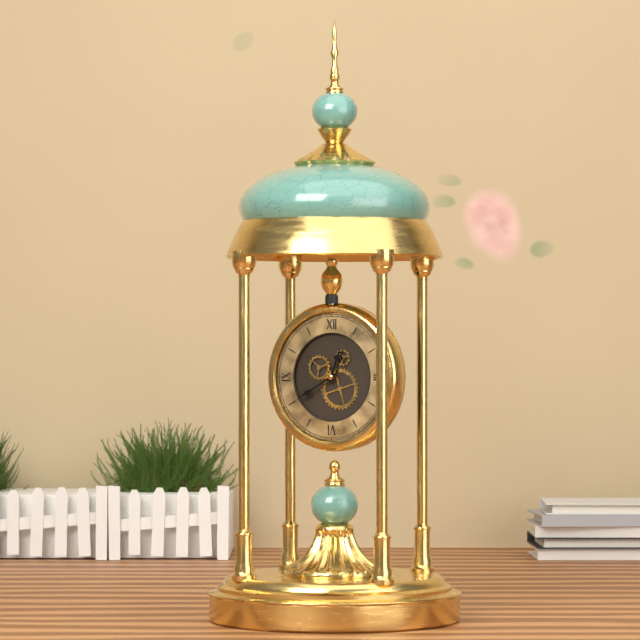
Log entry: 12,40
